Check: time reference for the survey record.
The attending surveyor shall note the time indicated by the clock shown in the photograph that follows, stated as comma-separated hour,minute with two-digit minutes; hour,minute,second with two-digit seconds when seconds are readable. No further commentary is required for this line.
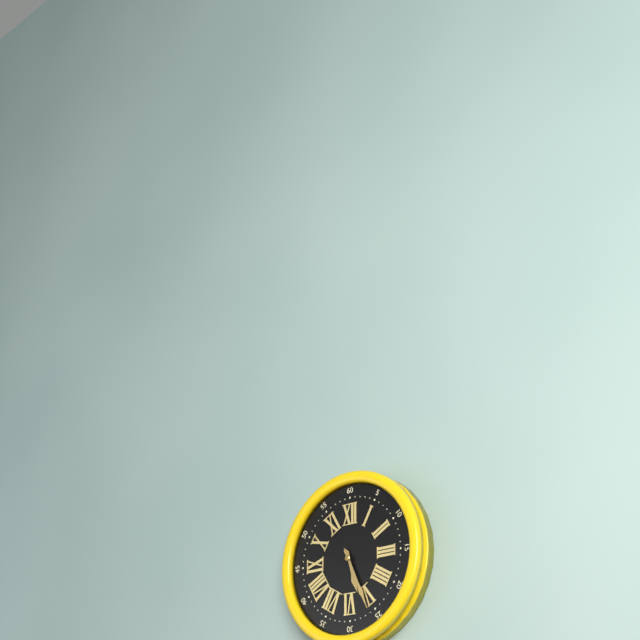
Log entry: 5,26
